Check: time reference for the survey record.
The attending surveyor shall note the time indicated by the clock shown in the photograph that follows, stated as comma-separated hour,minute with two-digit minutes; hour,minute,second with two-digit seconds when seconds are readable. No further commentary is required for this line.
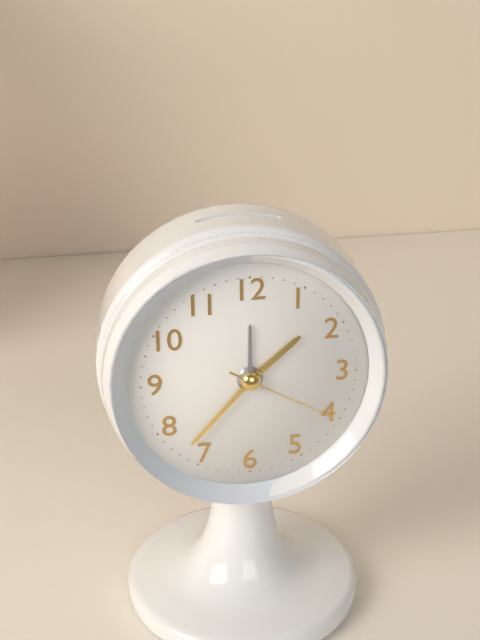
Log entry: 1,37,20
